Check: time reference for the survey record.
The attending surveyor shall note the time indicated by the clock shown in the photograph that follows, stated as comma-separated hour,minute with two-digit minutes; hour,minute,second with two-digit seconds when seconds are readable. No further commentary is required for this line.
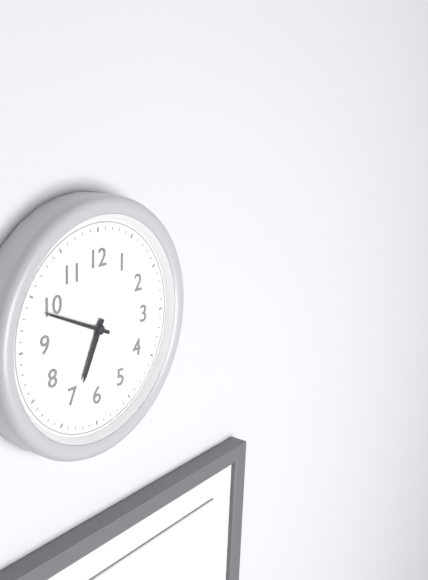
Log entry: 6,49
